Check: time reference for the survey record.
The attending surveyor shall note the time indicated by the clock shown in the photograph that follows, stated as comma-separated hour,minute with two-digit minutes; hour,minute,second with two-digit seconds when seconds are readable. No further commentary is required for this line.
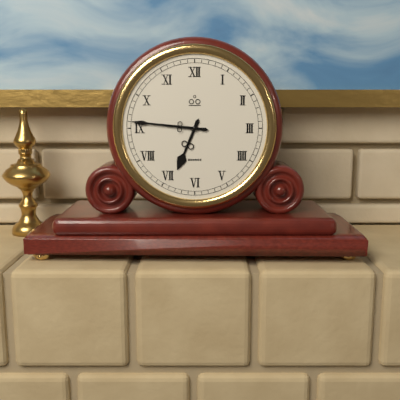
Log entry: 6,46
